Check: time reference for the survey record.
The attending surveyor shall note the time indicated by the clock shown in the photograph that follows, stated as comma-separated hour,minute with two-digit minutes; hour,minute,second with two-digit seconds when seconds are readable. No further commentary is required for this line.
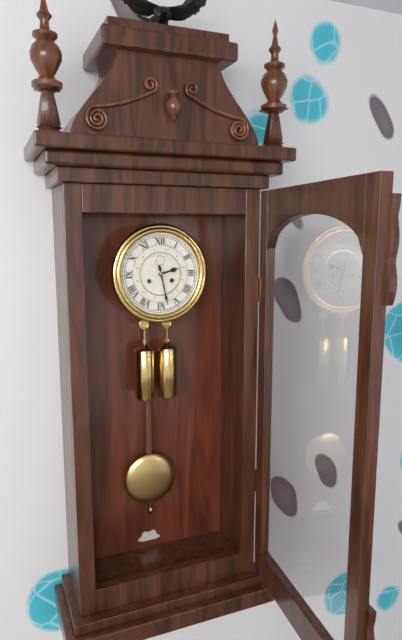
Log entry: 2,28
